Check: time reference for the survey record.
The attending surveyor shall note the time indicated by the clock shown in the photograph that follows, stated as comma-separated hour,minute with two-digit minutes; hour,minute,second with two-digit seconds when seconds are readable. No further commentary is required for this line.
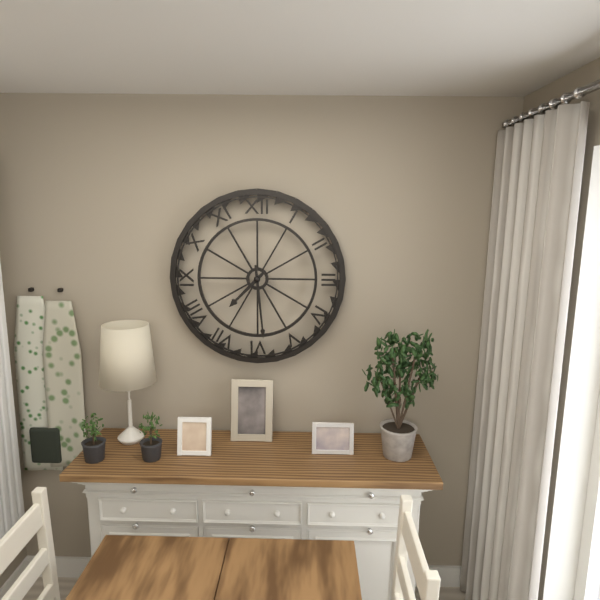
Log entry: 7,29
